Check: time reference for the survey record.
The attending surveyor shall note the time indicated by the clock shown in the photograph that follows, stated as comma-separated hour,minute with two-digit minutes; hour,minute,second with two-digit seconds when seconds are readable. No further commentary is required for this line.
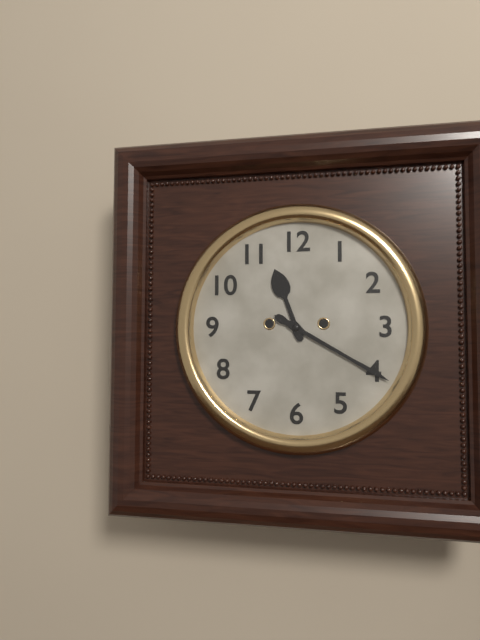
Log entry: 11,20
